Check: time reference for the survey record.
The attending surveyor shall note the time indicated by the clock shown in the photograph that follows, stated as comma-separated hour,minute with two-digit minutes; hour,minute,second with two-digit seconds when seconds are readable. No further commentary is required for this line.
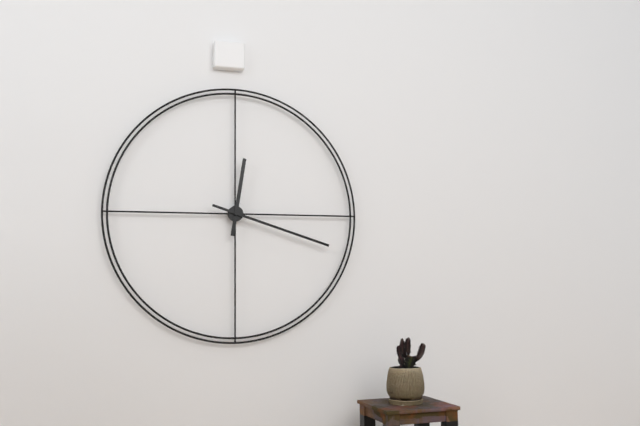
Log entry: 12,18
